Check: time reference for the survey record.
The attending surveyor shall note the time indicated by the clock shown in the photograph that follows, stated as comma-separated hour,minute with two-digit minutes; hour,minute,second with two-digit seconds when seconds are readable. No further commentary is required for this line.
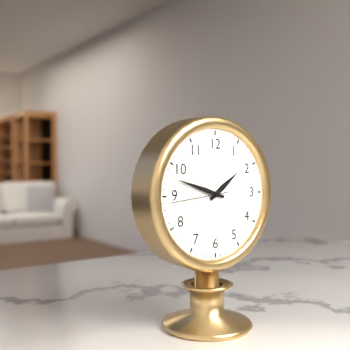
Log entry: 1,48,44
